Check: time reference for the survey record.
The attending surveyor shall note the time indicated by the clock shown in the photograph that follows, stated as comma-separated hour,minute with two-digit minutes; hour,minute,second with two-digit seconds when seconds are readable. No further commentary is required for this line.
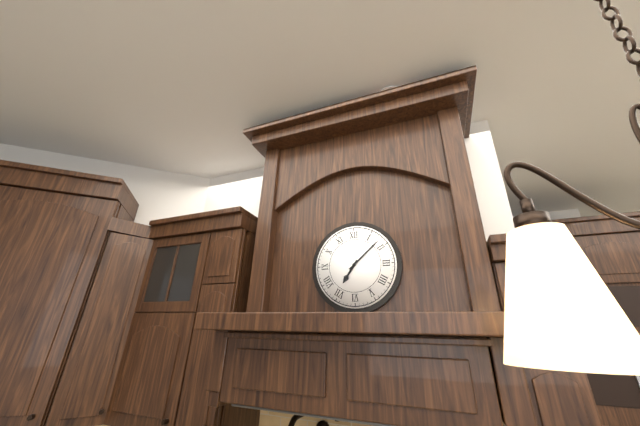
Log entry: 7,08
